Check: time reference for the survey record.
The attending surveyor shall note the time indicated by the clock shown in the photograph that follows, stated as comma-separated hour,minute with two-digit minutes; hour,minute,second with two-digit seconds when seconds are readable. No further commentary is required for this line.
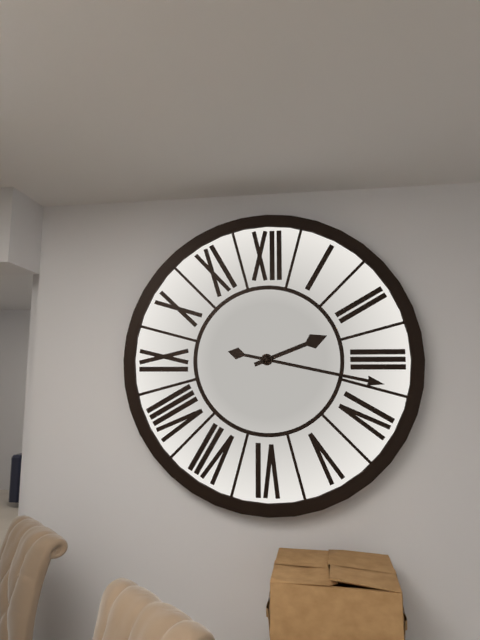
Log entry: 2,17
